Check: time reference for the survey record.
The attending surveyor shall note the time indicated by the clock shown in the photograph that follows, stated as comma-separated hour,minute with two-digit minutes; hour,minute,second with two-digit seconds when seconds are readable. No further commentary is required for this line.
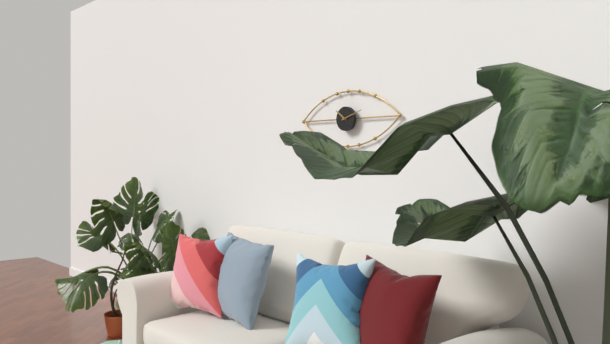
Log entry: 10,12
